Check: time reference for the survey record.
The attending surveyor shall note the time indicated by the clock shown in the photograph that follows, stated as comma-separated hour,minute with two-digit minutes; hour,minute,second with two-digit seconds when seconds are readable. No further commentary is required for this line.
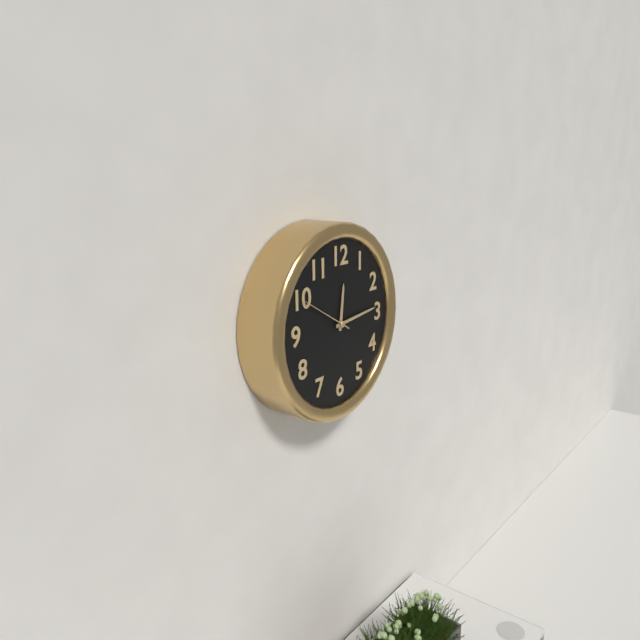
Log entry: 12,14,50
